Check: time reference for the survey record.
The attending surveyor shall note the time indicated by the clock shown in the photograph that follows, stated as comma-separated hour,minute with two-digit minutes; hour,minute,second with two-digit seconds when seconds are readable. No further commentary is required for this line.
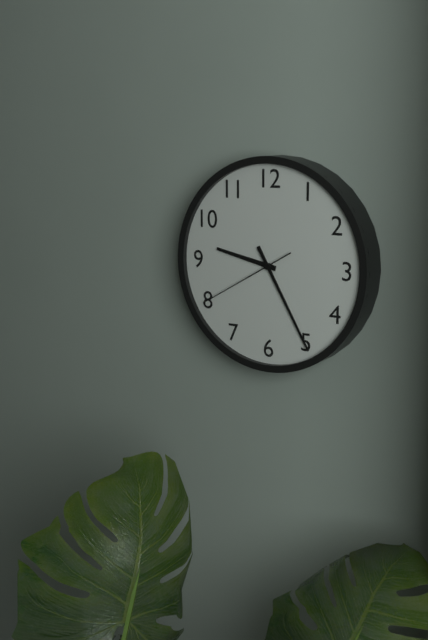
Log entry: 9,25,40
